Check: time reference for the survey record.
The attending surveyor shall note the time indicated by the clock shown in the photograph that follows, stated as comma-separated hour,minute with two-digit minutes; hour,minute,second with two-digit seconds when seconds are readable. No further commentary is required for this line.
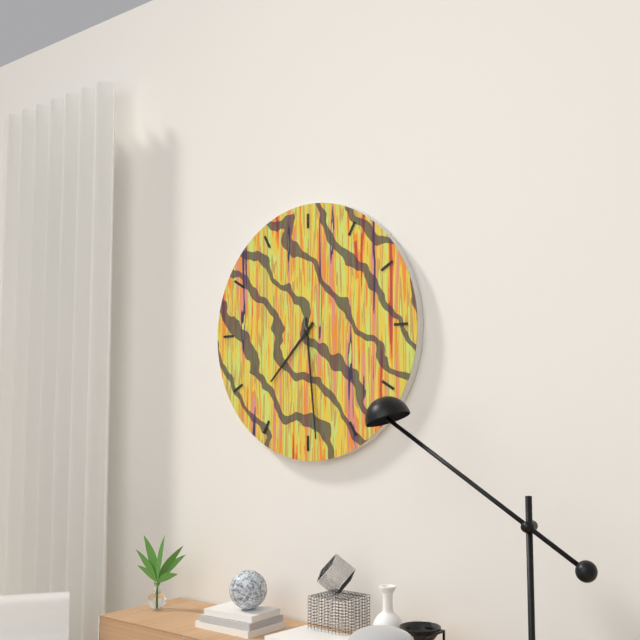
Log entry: 7,29
